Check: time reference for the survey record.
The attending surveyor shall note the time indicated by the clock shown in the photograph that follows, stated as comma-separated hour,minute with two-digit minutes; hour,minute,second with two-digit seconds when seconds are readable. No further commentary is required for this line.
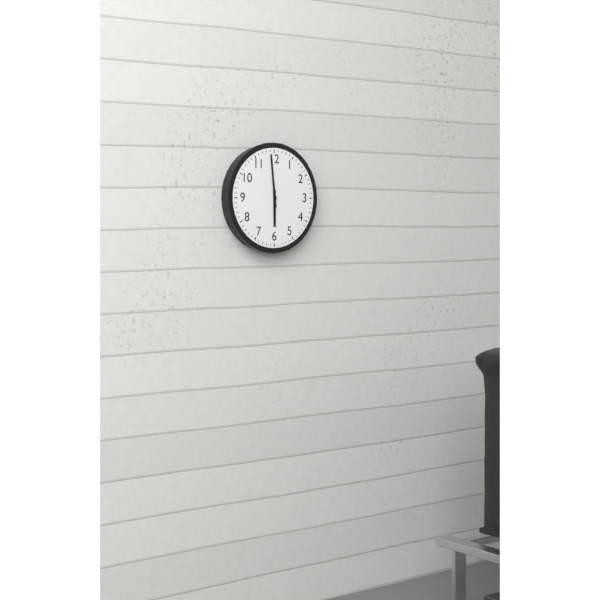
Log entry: 5,59
